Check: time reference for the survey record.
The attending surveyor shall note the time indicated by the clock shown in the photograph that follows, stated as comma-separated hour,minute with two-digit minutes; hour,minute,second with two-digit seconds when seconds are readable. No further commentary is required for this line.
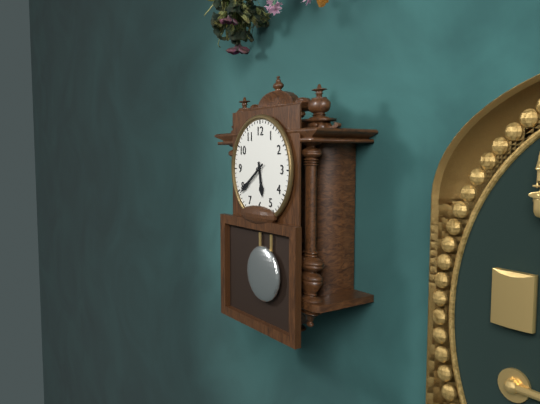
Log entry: 5,39
